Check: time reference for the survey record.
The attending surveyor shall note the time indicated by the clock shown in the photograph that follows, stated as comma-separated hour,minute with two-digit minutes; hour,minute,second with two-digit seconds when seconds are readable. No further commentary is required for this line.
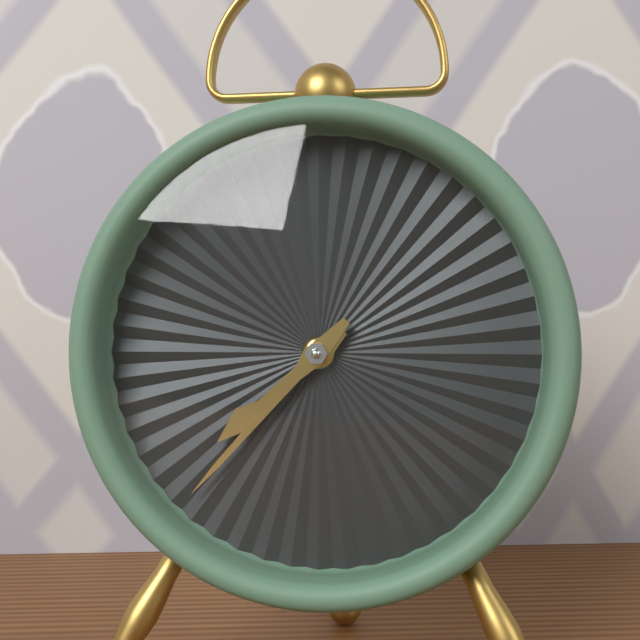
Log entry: 7,37
